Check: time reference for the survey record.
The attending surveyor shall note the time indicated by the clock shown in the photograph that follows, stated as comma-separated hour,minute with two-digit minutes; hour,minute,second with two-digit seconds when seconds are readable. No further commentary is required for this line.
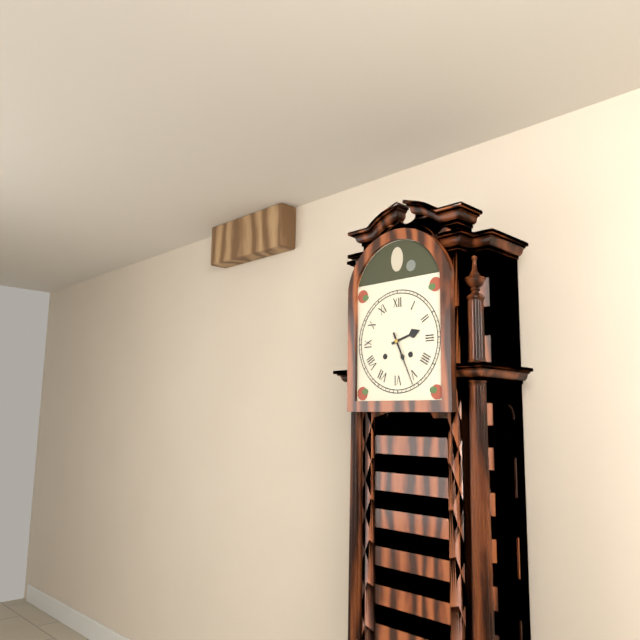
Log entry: 2,26
